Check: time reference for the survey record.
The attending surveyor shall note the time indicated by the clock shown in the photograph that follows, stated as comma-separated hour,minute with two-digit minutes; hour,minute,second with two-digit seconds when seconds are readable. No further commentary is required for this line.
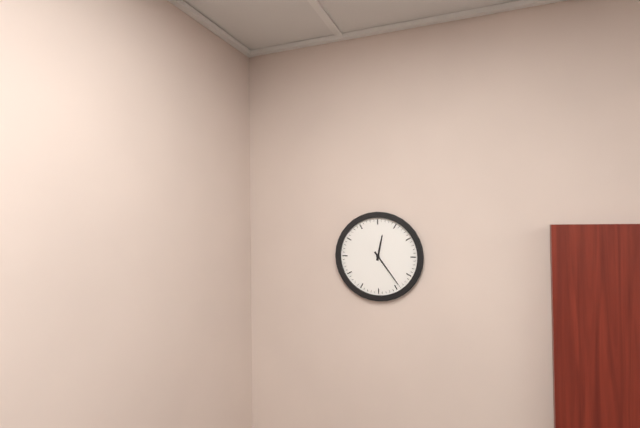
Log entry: 12,24
